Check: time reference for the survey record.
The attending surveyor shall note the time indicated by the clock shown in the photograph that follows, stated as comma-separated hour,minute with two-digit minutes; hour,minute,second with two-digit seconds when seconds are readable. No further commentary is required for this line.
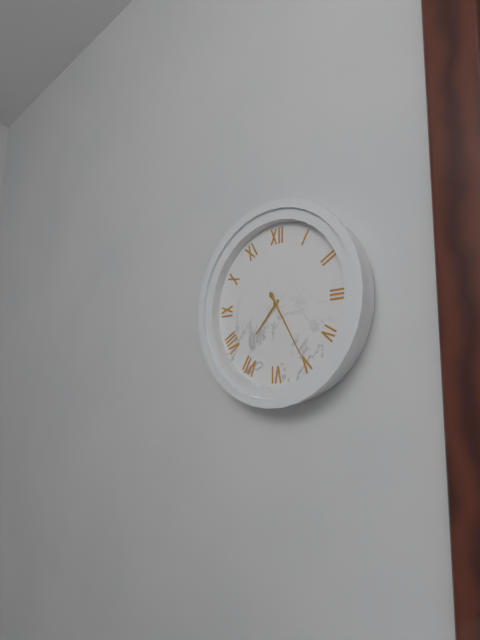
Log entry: 7,25
